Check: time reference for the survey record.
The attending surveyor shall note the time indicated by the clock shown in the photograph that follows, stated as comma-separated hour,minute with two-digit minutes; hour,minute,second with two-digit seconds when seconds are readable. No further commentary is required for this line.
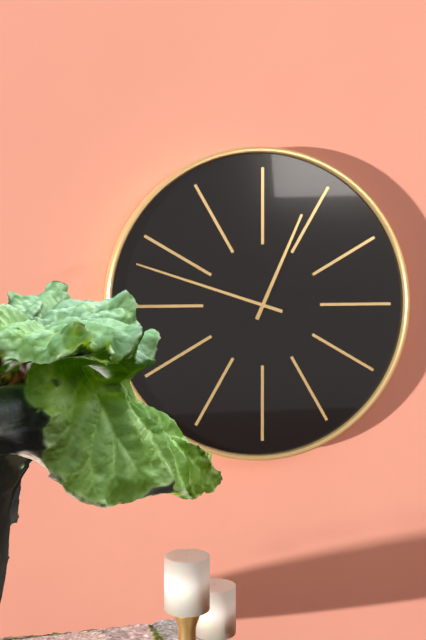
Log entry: 12,48
